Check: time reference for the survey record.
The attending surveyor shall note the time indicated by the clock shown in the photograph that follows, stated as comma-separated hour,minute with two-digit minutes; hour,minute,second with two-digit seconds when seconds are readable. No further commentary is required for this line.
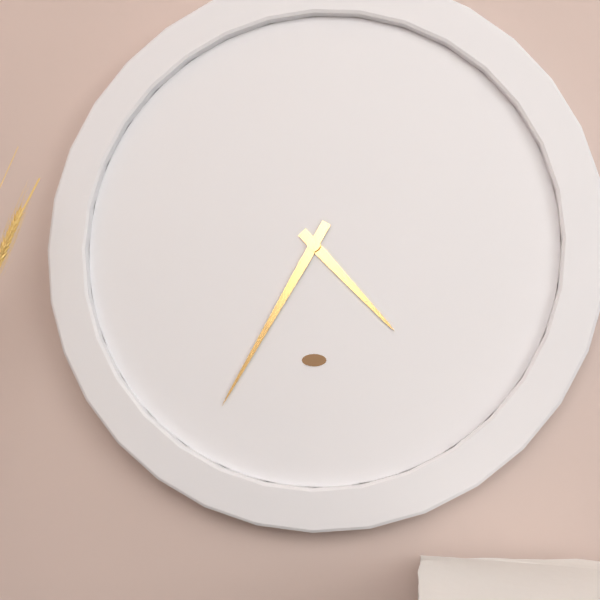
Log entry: 4,35
